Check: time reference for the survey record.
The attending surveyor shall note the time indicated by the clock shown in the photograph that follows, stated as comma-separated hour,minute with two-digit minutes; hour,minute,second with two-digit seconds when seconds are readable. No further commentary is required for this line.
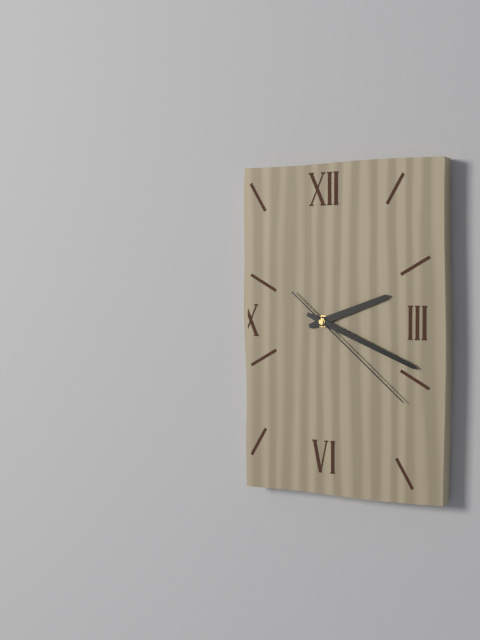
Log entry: 2,19,22
